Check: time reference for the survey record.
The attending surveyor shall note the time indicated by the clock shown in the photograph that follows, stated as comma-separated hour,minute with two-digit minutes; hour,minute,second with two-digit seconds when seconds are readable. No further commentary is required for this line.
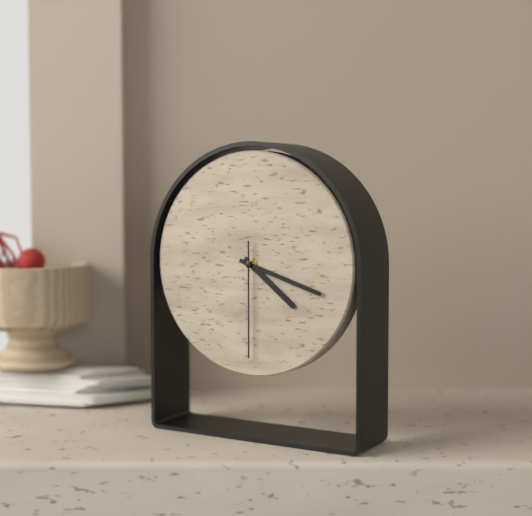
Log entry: 4,18,30
